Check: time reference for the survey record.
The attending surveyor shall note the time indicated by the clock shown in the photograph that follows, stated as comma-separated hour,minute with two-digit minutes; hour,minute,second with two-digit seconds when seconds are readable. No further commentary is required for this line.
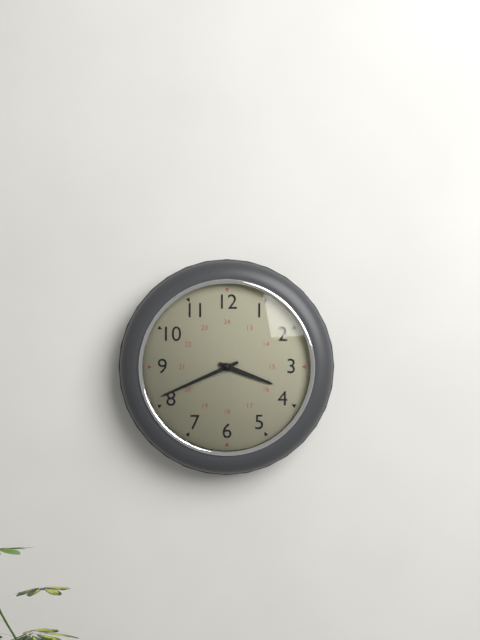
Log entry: 3,41
